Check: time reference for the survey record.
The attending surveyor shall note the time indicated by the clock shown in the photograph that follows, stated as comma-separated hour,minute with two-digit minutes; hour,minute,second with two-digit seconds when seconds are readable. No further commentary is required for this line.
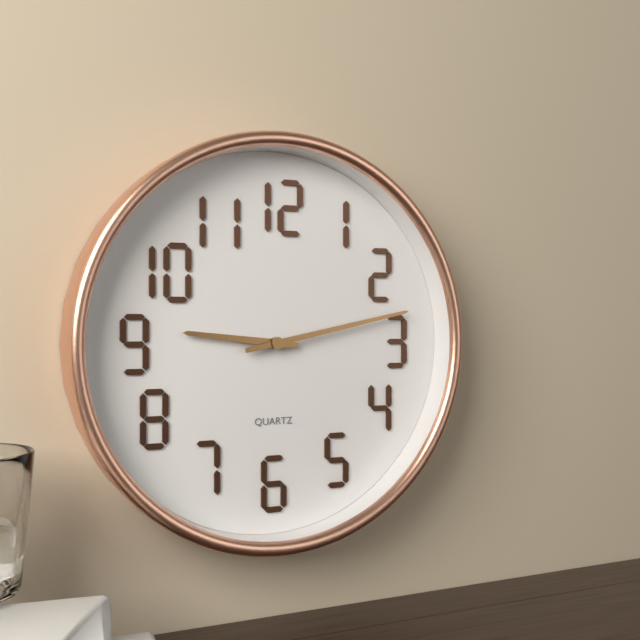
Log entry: 9,13
